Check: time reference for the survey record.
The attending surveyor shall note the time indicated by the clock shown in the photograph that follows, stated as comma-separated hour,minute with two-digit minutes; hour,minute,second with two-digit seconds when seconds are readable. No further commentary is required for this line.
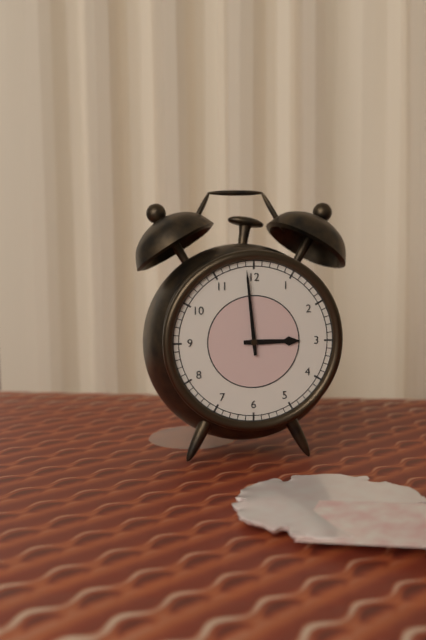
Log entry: 2,59
